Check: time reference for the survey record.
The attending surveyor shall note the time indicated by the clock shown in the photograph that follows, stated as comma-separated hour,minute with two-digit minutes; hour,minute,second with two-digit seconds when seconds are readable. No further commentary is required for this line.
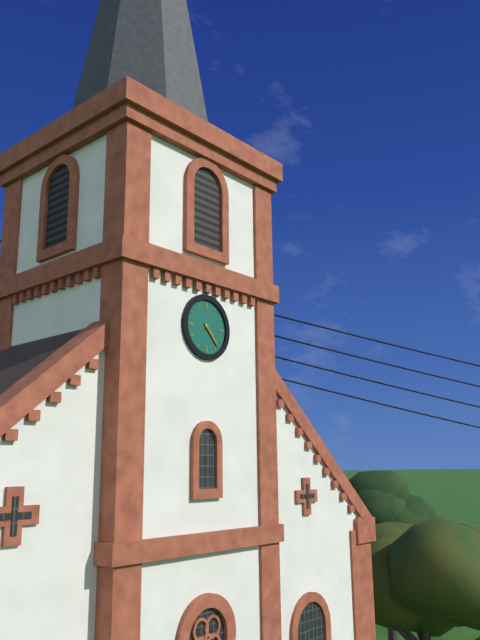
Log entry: 4,23
